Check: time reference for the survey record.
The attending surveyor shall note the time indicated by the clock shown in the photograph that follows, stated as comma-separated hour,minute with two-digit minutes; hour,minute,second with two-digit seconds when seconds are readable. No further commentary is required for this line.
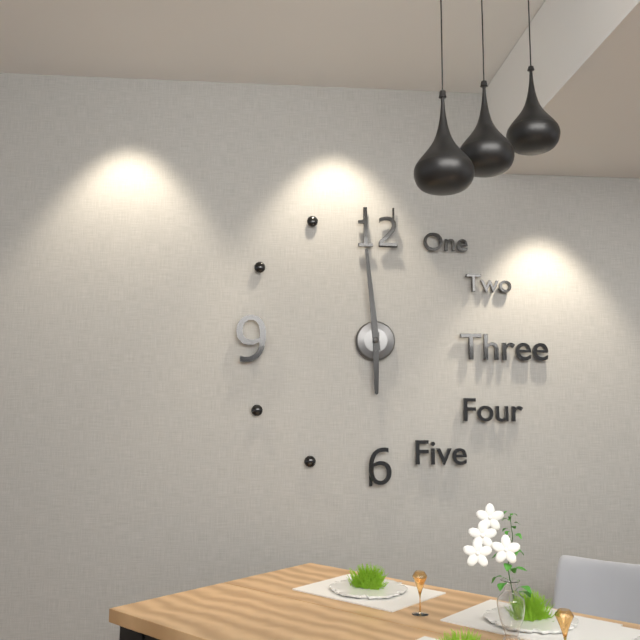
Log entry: 5,59
